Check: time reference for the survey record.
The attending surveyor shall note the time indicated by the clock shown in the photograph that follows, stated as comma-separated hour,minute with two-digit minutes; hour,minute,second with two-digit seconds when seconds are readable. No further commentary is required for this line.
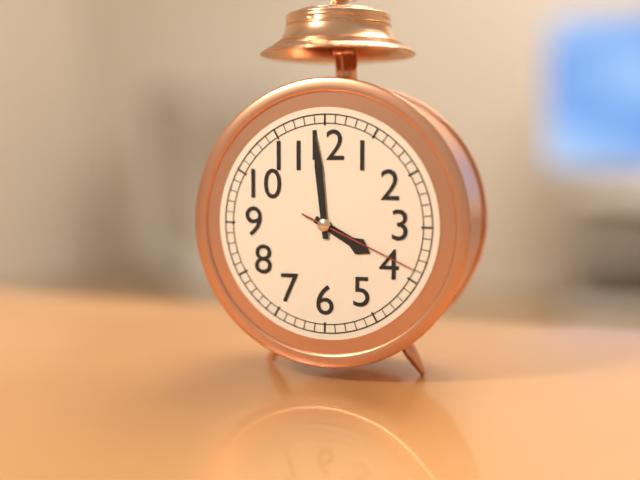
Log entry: 3,59,19
